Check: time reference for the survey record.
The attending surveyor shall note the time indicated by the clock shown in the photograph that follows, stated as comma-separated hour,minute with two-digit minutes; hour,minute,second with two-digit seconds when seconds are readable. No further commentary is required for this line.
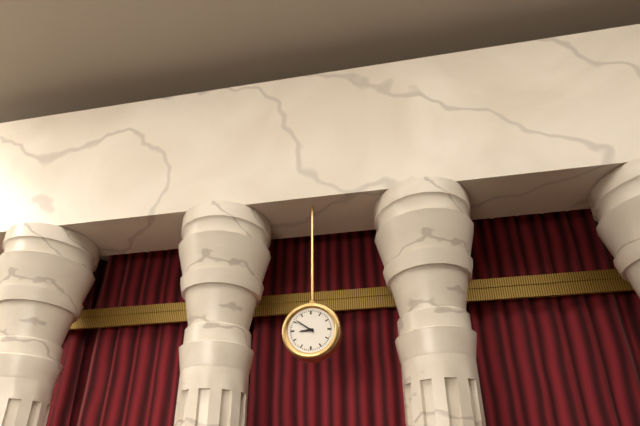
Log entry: 8,51
